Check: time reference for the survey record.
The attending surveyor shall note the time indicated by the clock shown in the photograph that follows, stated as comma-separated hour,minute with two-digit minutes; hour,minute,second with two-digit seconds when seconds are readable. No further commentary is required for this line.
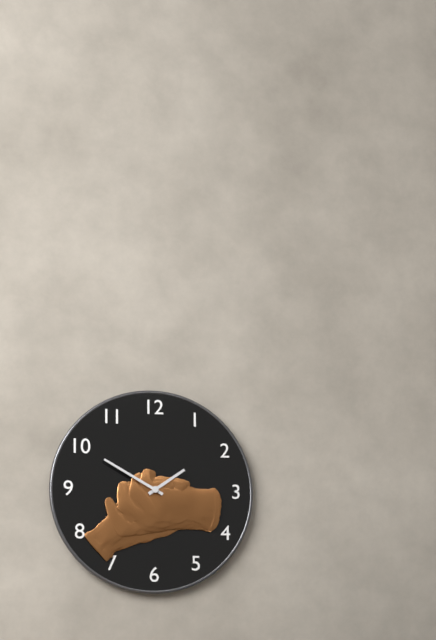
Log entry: 1,50
